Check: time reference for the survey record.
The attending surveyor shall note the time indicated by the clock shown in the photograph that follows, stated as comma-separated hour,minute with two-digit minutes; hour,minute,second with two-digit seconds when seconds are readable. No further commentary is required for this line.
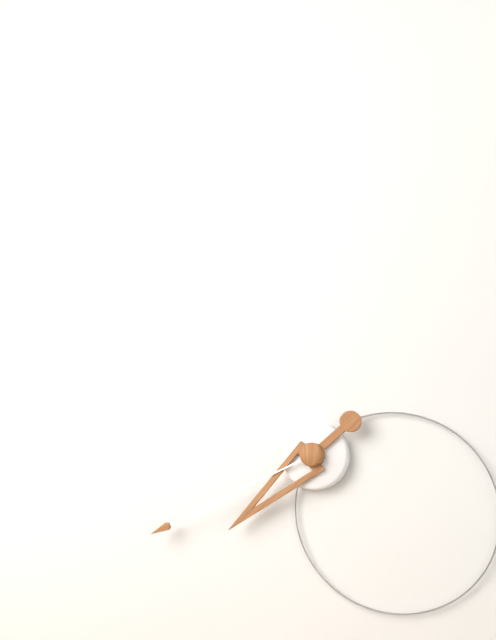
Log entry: 7,41
